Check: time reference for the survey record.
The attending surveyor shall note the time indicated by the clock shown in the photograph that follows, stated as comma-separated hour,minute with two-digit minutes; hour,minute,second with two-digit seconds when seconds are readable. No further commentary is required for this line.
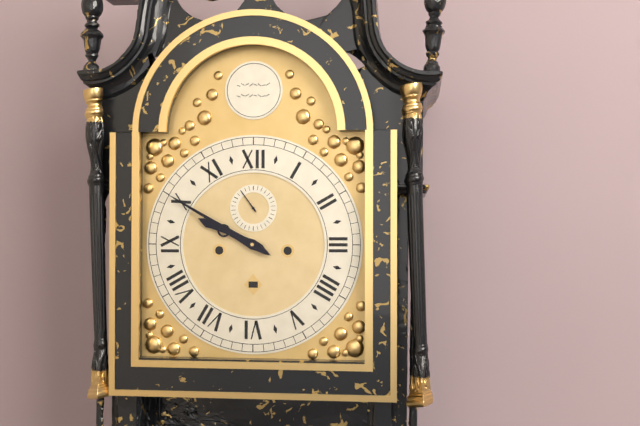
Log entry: 9,50
